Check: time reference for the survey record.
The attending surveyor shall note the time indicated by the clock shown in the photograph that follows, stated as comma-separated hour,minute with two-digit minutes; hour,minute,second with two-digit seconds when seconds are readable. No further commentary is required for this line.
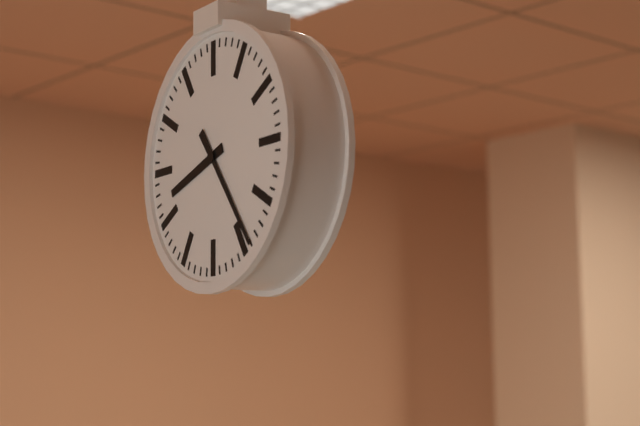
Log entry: 8,24
